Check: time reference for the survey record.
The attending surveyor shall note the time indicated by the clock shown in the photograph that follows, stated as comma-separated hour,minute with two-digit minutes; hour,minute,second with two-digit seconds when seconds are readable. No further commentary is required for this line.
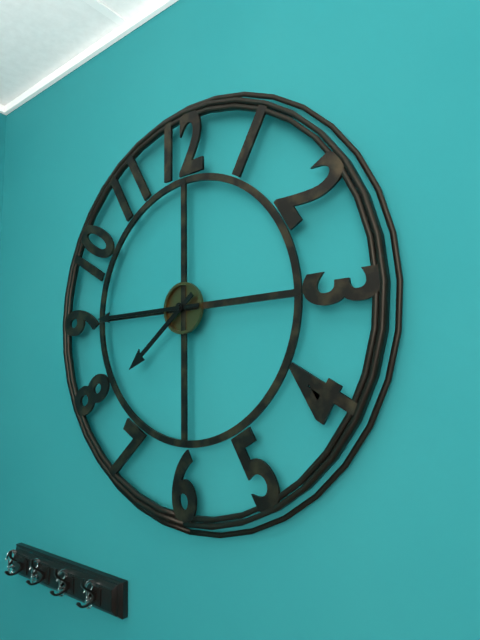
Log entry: 7,45
